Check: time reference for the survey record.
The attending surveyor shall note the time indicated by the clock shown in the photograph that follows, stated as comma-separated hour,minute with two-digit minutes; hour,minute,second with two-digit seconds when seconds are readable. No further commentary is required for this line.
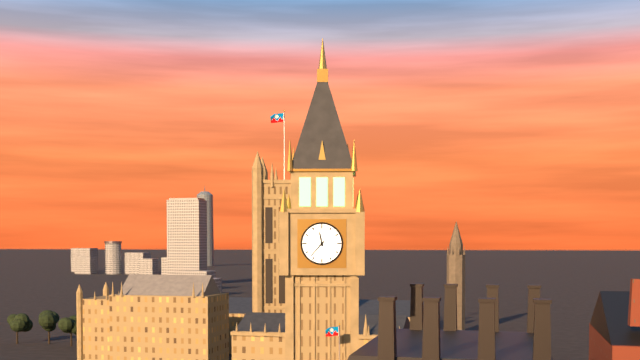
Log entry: 11,37
